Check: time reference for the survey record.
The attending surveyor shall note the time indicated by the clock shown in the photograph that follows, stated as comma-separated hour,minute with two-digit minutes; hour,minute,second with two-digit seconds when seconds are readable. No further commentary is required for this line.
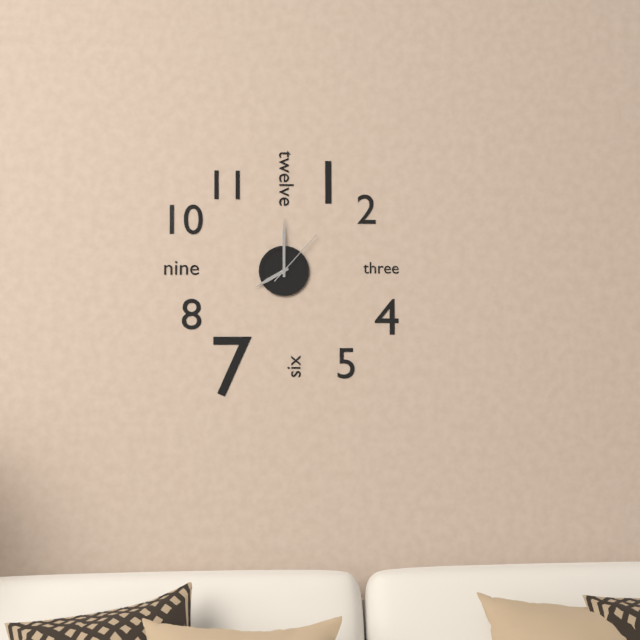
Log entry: 8,00,07
